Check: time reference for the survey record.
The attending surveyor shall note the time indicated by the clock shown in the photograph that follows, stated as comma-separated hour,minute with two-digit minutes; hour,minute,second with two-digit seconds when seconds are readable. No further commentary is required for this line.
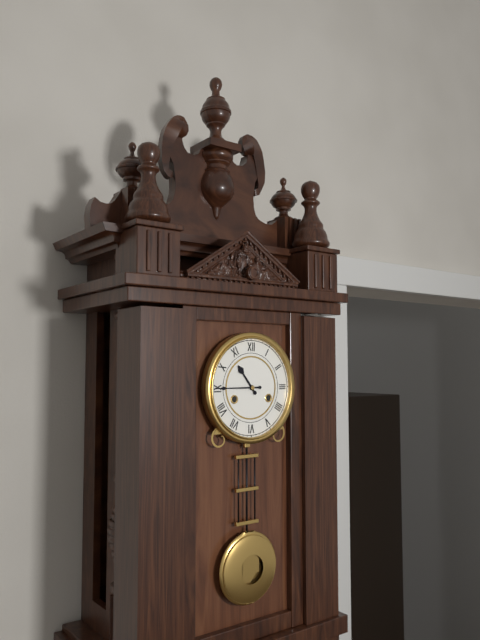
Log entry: 10,45
